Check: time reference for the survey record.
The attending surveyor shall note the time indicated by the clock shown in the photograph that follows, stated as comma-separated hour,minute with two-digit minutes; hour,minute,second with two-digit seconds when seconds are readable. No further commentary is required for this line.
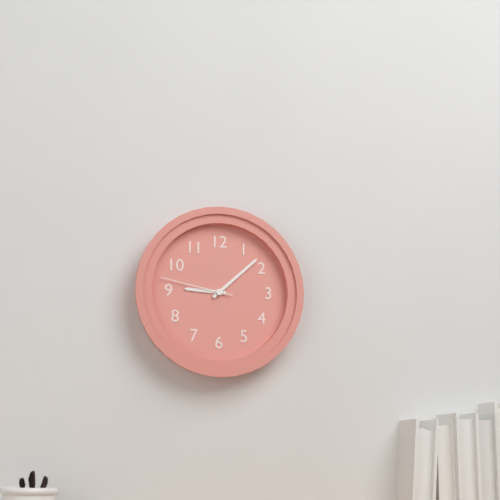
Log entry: 9,08,47
